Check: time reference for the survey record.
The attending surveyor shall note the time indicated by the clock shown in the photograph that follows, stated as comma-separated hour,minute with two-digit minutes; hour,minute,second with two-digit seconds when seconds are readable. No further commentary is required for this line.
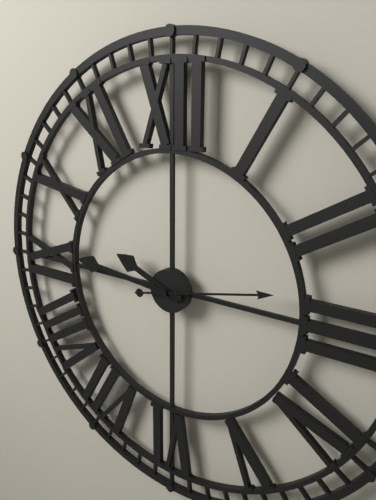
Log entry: 9,46,13
